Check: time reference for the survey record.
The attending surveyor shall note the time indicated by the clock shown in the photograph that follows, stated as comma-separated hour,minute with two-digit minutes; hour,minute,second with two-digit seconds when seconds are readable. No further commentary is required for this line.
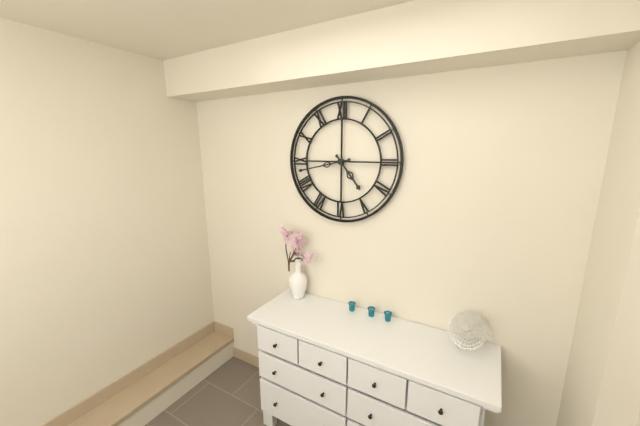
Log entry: 4,43
